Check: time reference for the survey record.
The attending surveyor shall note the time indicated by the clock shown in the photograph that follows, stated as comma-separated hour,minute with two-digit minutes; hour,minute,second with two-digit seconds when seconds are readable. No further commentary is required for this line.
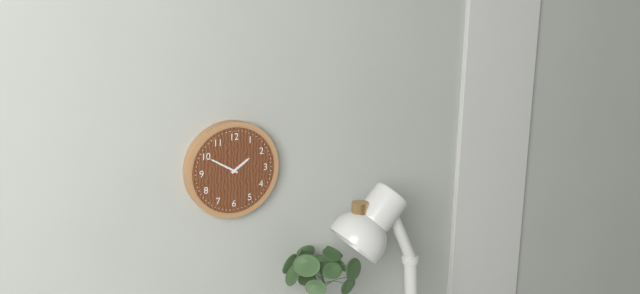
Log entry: 1,50
